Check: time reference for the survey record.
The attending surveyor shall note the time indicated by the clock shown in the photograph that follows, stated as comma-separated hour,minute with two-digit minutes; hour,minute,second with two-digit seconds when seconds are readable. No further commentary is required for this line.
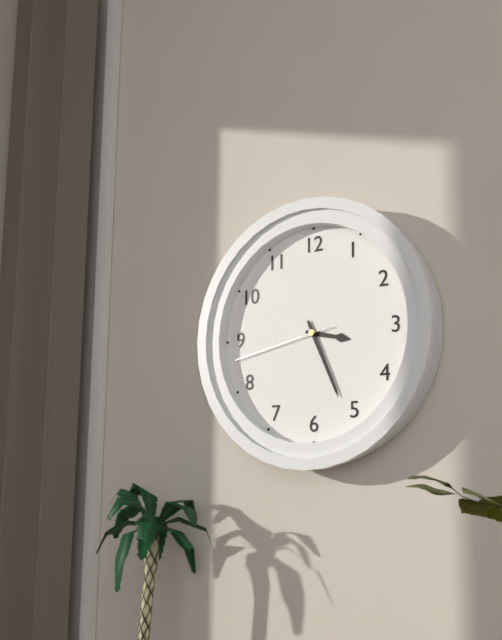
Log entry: 3,26,43
